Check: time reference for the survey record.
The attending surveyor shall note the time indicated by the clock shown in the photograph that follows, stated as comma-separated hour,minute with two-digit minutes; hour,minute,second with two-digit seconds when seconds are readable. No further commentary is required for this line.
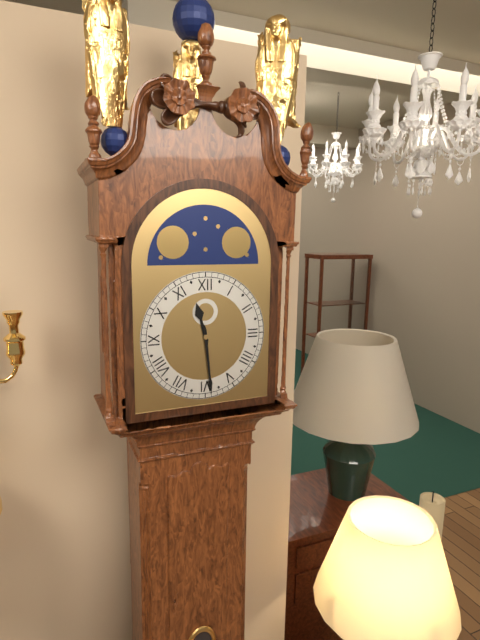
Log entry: 11,29
